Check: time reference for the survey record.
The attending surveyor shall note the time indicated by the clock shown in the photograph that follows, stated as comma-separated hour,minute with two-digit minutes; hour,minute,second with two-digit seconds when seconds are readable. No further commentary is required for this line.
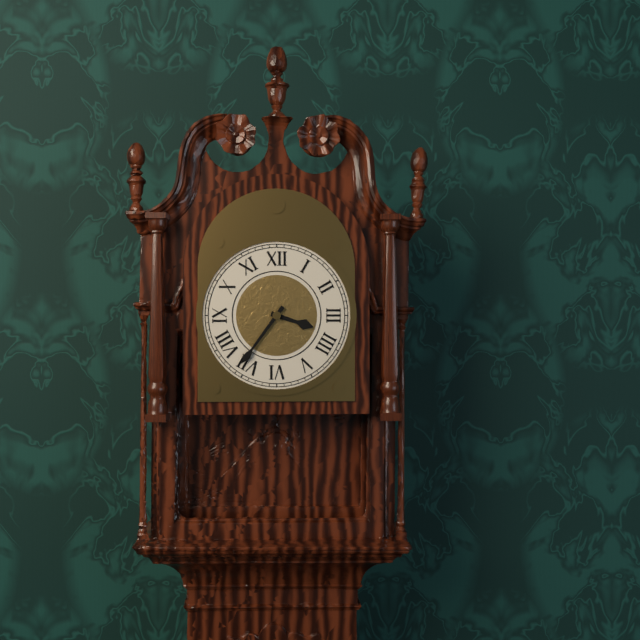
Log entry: 3,36
